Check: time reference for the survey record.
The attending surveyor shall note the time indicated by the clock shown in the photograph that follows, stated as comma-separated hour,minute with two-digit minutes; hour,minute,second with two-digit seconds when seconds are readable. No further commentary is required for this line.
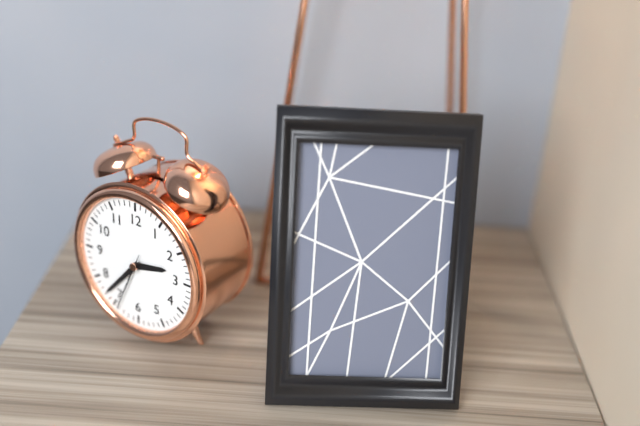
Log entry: 2,37,34
